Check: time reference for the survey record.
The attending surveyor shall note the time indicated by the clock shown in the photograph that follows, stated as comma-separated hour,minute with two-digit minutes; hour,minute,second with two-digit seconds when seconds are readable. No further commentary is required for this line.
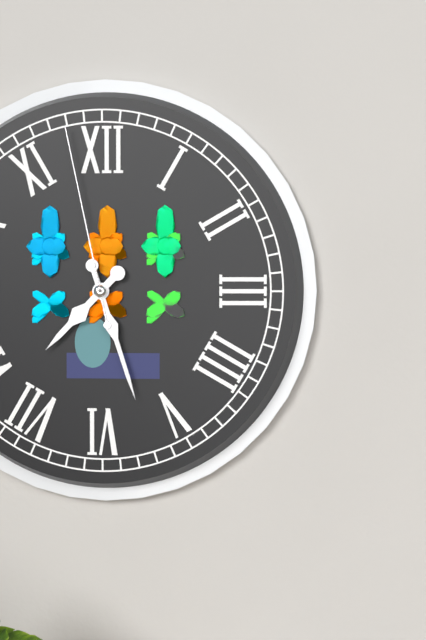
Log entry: 7,27,58
